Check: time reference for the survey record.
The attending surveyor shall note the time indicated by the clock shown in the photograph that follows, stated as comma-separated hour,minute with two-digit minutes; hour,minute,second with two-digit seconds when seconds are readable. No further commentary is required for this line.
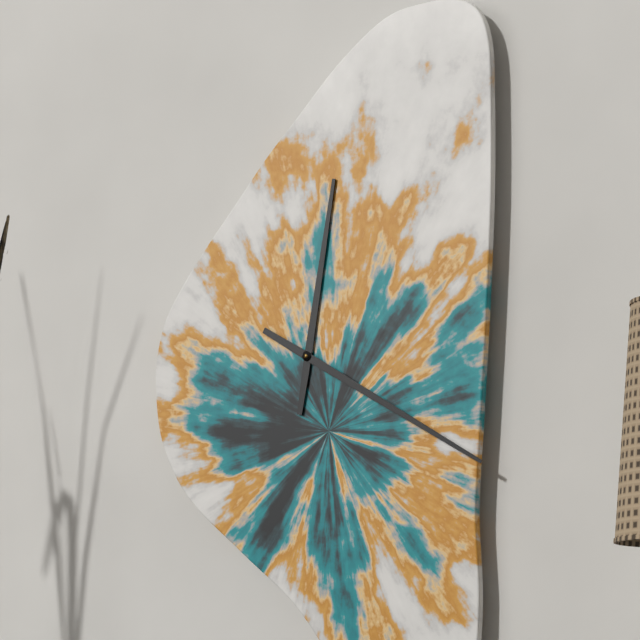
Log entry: 12,20
